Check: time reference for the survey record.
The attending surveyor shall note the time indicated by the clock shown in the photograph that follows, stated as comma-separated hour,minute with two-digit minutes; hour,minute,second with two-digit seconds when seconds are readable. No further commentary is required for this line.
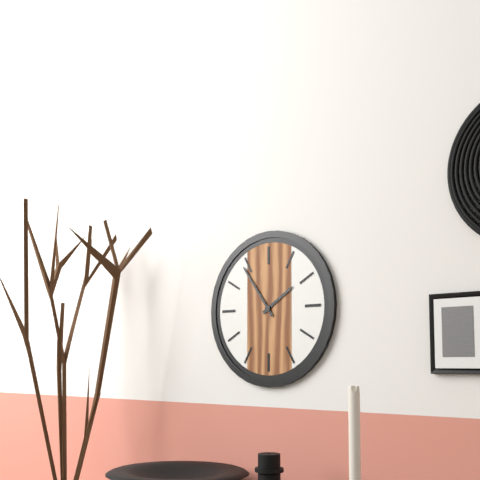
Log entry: 1,54
